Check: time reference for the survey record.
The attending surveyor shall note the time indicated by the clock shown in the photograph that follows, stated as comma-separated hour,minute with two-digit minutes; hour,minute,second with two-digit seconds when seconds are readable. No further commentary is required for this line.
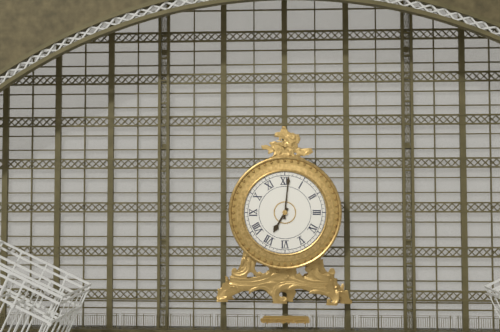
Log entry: 7,01
